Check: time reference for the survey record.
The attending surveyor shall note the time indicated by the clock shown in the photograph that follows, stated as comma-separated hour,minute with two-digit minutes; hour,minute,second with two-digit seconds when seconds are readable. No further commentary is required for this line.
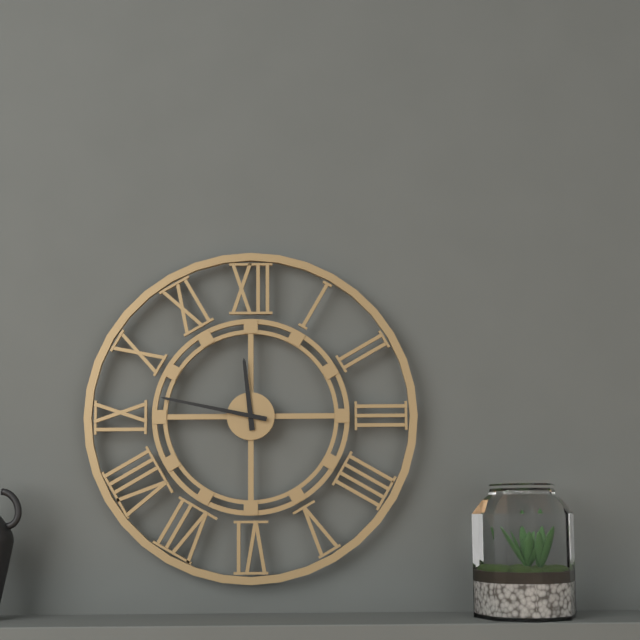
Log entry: 11,47
